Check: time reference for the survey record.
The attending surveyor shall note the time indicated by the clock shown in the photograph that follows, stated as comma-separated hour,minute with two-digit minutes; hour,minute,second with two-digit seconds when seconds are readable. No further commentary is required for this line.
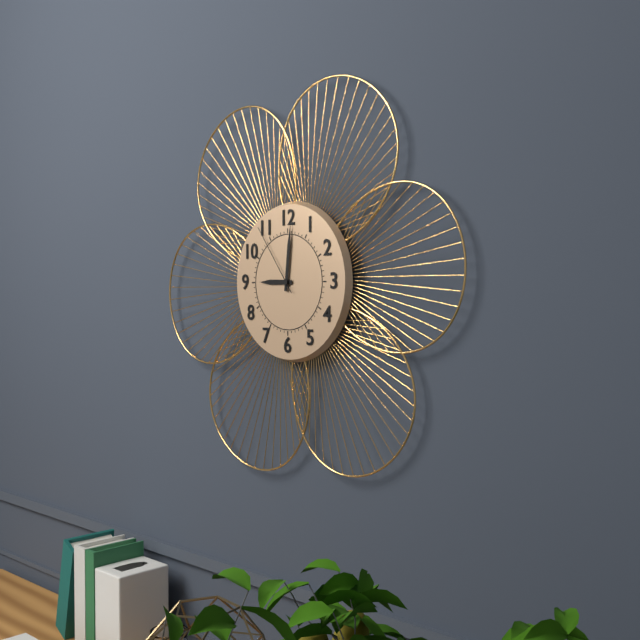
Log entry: 9,01,54
